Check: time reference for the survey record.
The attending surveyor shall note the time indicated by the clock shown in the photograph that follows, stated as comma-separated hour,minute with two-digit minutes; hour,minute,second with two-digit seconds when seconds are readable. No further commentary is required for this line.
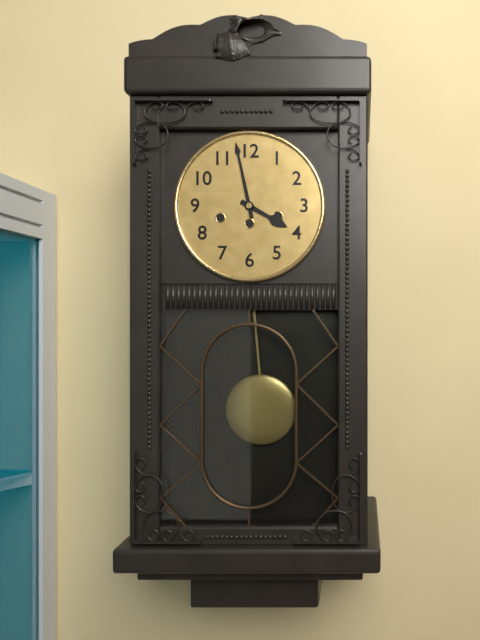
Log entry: 3,58
